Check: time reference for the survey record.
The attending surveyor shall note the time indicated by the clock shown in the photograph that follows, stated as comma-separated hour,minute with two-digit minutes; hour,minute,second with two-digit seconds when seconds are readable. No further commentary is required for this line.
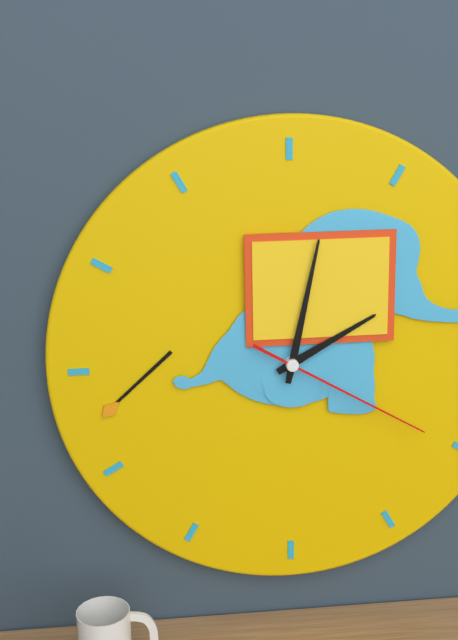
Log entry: 2,02,20
